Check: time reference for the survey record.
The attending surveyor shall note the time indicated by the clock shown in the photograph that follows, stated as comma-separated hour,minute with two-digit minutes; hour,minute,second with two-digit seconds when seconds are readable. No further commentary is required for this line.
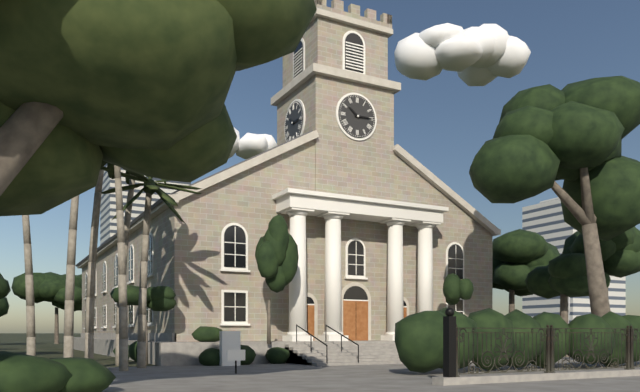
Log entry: 10,15
